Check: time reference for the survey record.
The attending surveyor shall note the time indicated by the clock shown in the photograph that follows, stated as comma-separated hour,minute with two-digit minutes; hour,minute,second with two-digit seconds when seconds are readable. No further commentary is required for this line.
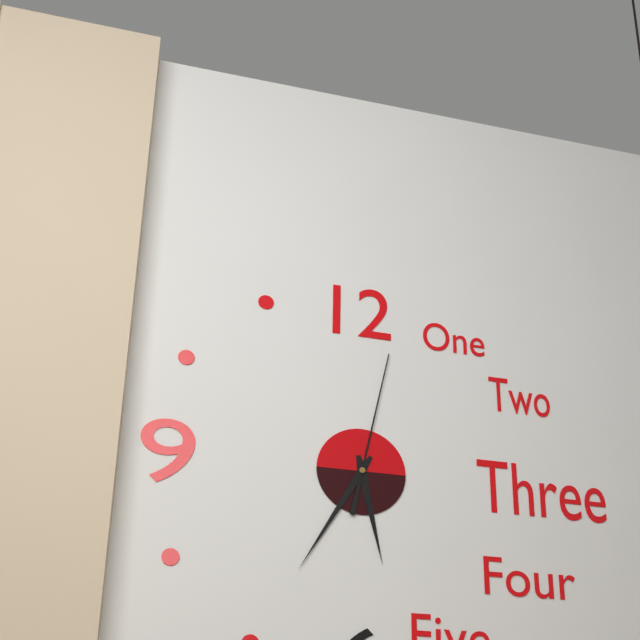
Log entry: 5,35,02
